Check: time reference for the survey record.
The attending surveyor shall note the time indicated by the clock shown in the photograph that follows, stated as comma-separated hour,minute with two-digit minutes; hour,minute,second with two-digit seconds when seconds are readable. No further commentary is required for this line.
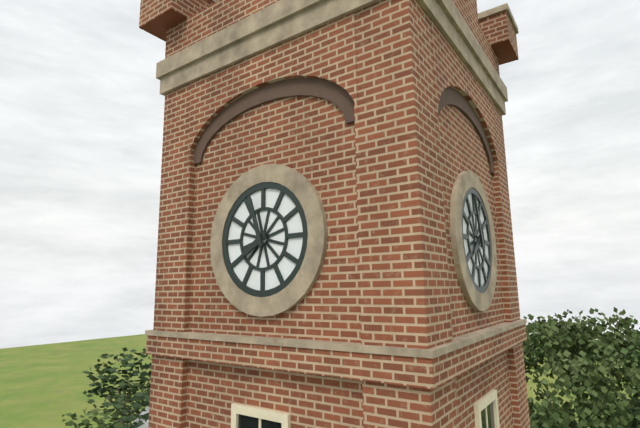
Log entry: 7,57
